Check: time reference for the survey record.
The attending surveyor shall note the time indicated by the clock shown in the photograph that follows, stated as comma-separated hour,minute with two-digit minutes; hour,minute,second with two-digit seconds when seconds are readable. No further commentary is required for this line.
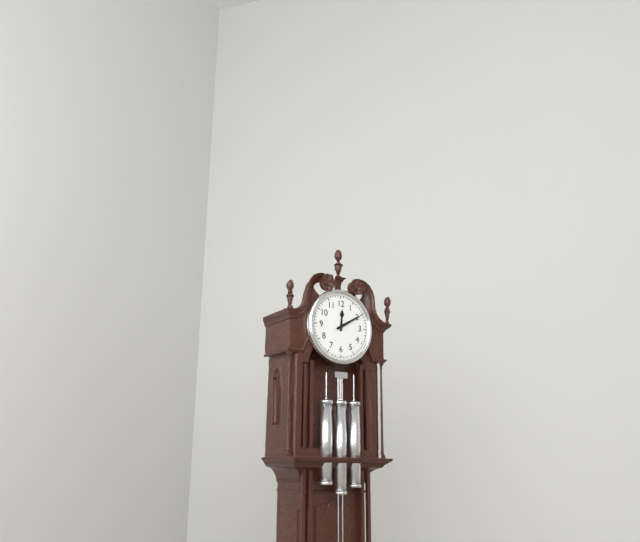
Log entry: 12,10
